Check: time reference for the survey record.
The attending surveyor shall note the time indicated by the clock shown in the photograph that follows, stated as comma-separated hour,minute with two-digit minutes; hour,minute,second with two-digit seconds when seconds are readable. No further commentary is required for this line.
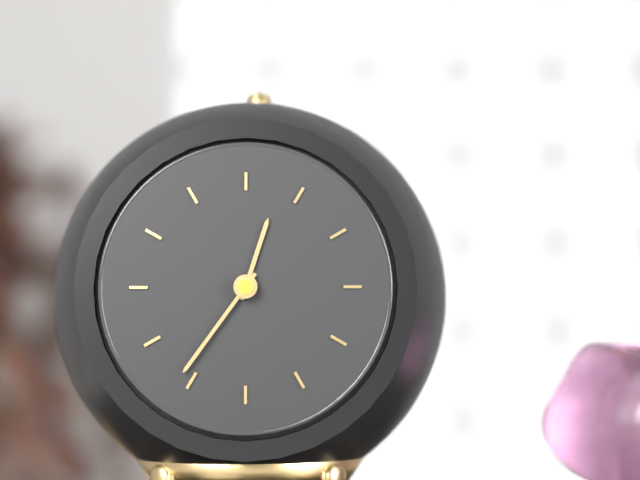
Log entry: 12,36
